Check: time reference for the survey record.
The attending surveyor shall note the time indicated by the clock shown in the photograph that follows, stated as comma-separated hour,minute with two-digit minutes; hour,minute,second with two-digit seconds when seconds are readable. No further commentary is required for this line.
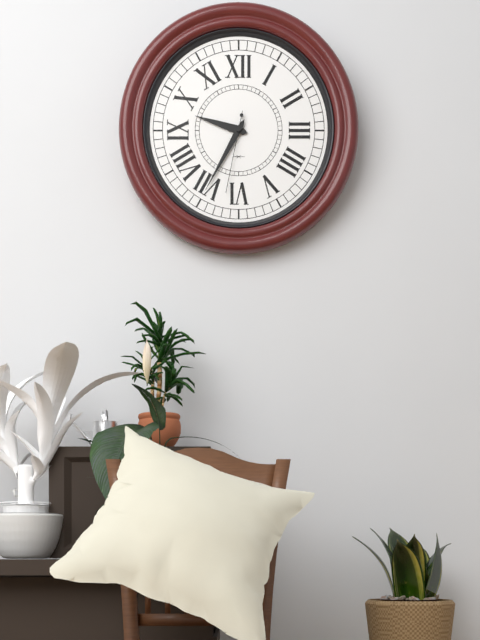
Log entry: 9,35,32
